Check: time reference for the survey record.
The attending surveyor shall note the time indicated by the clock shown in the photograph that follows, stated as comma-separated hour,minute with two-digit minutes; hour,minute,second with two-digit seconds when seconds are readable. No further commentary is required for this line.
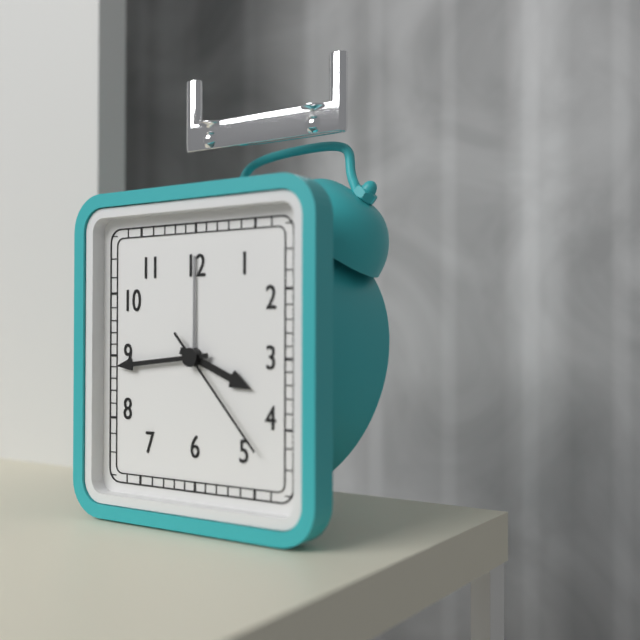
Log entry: 3,44,23
